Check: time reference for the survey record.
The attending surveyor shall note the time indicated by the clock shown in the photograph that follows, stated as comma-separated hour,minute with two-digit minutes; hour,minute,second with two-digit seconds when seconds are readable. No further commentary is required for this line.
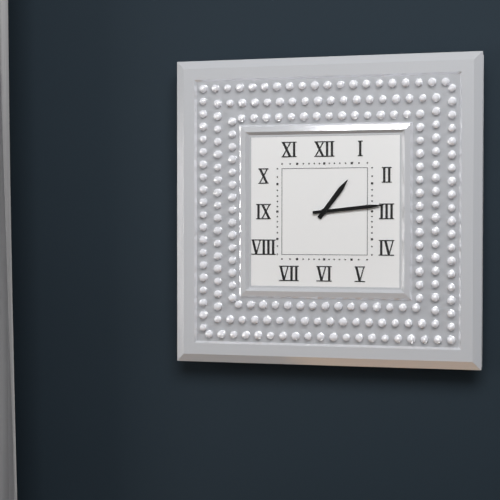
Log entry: 1,14
